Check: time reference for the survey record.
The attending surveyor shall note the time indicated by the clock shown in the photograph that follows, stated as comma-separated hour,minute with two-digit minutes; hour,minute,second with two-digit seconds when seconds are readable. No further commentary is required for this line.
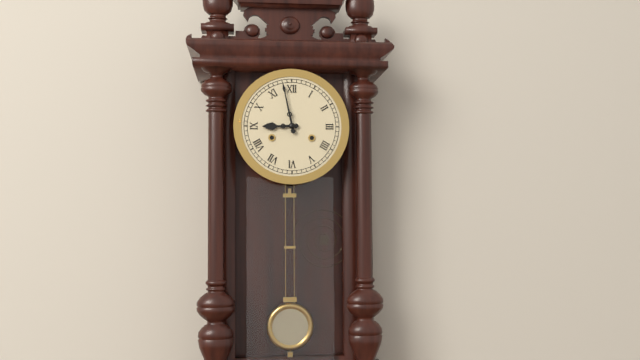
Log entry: 8,58
